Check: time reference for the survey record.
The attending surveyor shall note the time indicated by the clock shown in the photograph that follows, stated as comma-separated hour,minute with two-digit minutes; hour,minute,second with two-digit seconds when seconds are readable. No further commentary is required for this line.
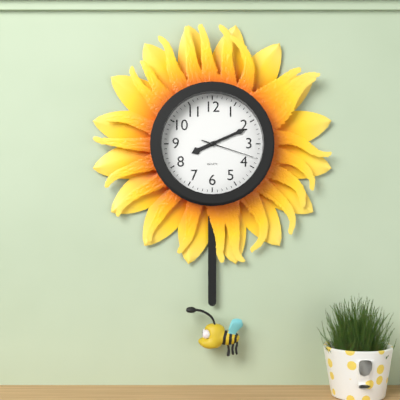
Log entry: 8,11,18
